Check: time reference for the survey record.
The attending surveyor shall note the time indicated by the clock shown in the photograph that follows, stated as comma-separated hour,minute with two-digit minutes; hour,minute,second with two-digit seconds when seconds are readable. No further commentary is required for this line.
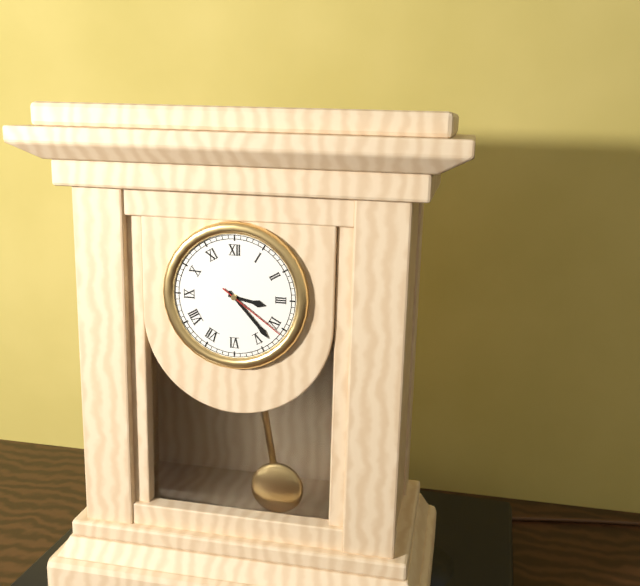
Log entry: 3,23,21
